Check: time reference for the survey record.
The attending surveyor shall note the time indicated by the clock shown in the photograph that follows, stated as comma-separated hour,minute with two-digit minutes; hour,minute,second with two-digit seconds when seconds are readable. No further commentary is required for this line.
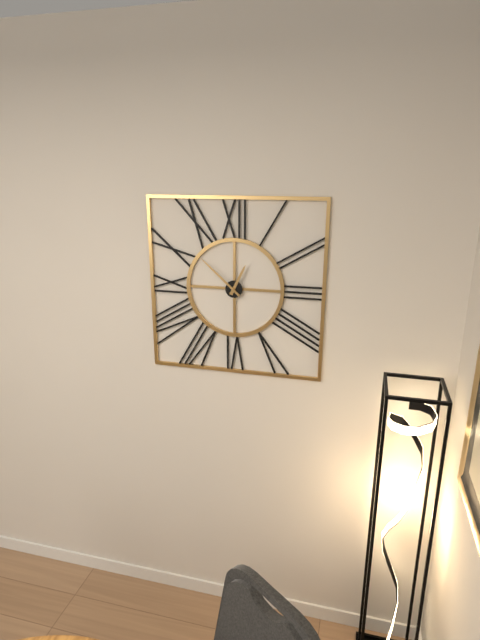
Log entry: 12,52
